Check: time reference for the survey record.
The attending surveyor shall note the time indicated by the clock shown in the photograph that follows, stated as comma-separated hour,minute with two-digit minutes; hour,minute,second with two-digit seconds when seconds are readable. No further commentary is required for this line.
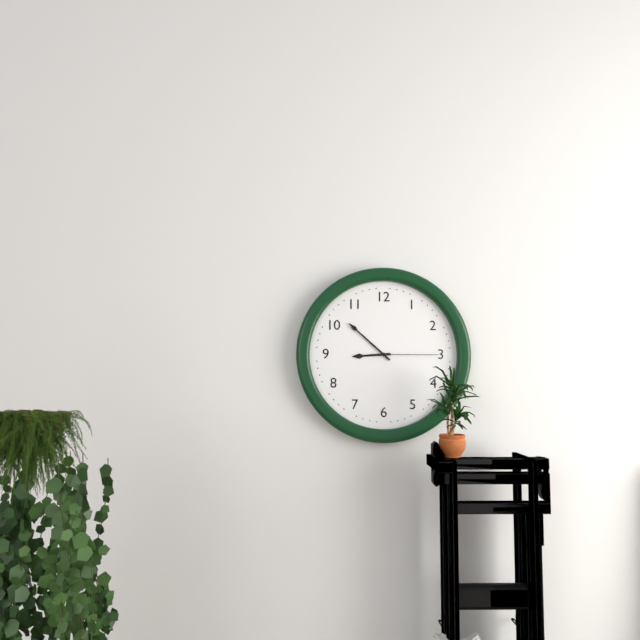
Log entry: 8,52,15
